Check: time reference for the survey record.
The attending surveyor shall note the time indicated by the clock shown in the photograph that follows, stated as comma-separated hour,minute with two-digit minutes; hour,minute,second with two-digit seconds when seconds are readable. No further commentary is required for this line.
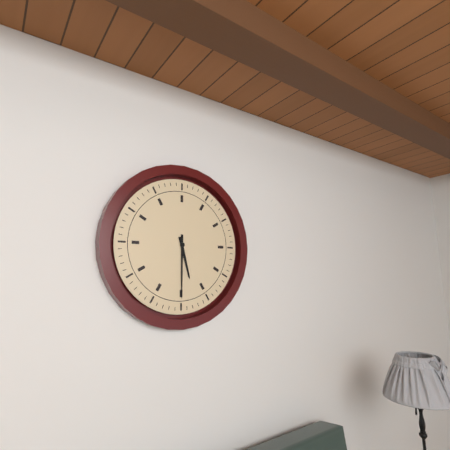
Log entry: 5,30
